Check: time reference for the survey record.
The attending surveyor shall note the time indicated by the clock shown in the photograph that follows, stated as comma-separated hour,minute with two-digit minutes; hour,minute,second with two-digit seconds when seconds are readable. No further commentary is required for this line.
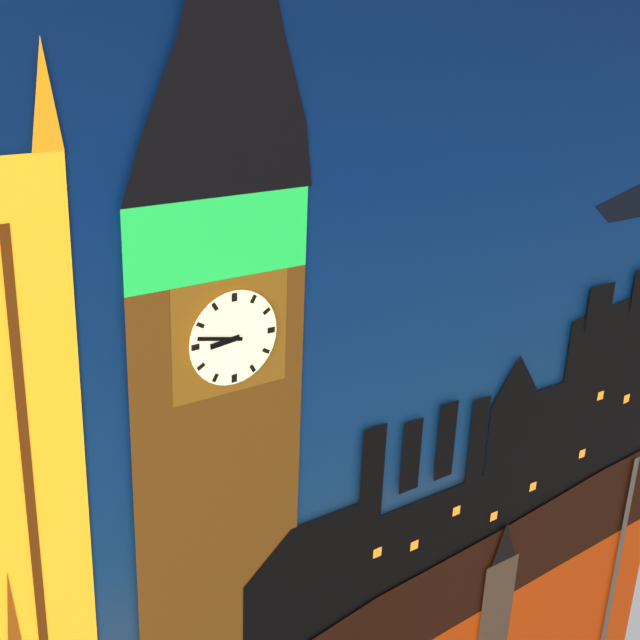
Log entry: 8,47
